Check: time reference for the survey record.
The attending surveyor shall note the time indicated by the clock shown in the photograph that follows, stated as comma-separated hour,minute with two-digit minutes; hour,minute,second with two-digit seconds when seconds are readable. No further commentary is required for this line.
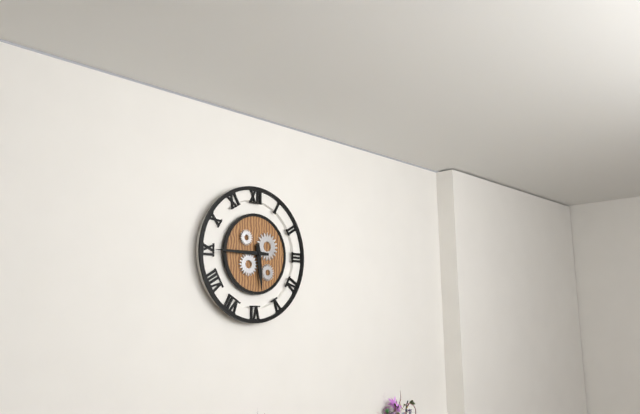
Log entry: 5,45
